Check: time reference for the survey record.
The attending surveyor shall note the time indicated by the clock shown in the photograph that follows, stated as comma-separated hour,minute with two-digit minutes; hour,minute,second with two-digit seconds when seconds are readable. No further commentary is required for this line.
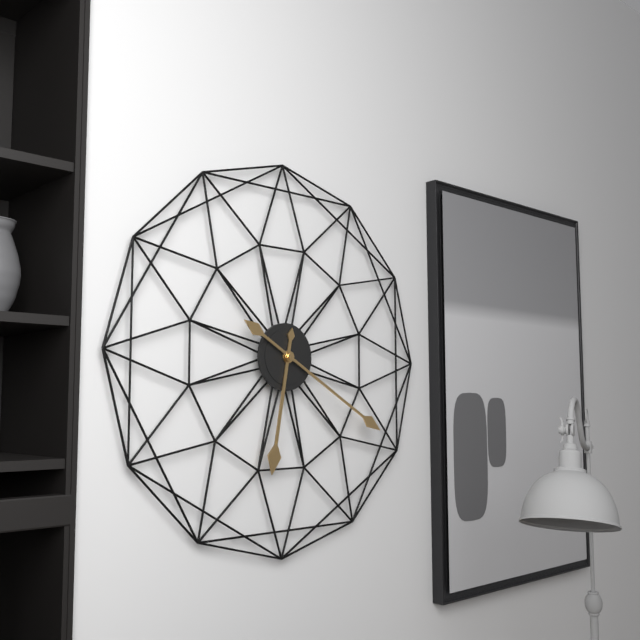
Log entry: 6,20
